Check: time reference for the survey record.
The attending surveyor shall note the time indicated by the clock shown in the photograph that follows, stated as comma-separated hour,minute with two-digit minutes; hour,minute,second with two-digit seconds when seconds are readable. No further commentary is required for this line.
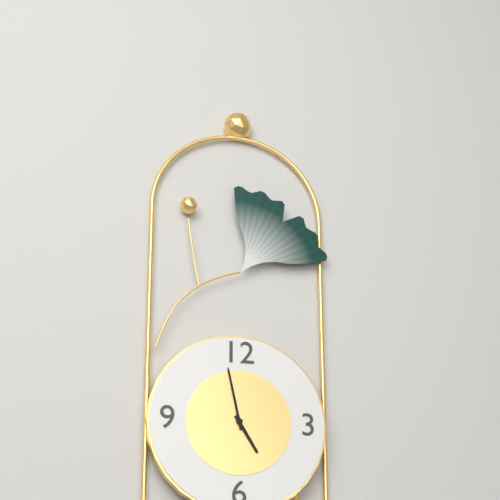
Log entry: 4,58
